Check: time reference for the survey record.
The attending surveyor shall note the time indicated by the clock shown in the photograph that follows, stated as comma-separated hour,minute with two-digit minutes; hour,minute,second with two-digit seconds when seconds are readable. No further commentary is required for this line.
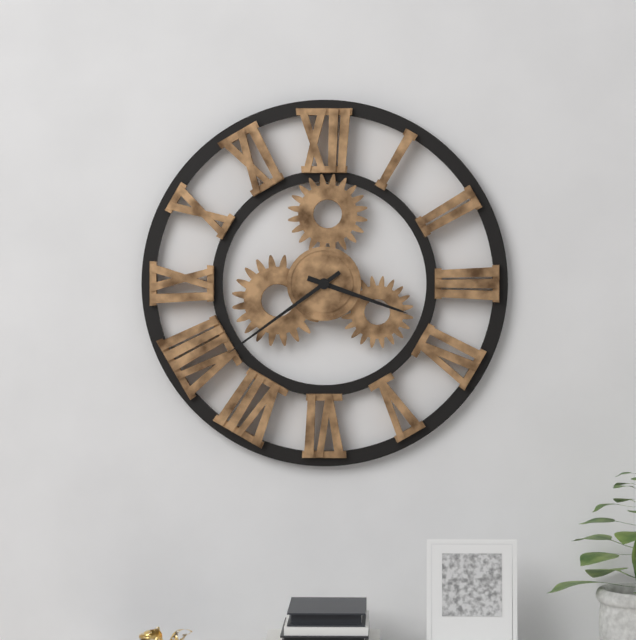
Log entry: 3,39
